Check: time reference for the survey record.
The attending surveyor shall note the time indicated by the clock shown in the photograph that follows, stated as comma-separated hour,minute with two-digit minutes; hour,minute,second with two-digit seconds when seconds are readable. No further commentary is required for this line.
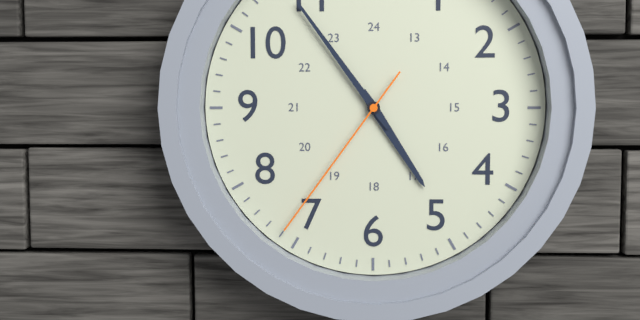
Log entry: 4,54,36
